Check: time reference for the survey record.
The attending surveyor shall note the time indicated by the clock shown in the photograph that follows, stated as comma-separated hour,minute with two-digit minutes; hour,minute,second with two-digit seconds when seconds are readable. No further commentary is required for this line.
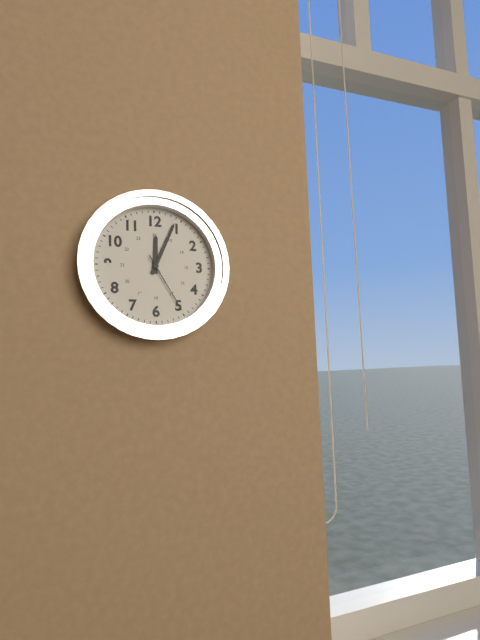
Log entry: 12,04,25
